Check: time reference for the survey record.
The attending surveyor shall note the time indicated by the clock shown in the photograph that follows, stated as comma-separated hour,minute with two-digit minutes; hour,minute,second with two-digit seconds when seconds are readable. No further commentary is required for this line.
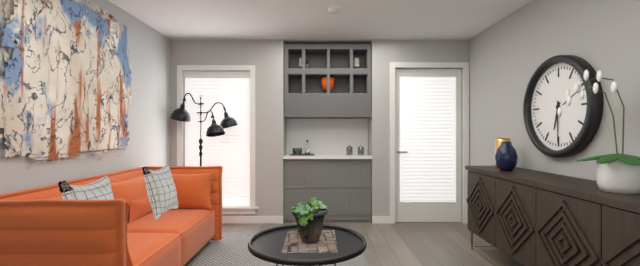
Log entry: 6,30
